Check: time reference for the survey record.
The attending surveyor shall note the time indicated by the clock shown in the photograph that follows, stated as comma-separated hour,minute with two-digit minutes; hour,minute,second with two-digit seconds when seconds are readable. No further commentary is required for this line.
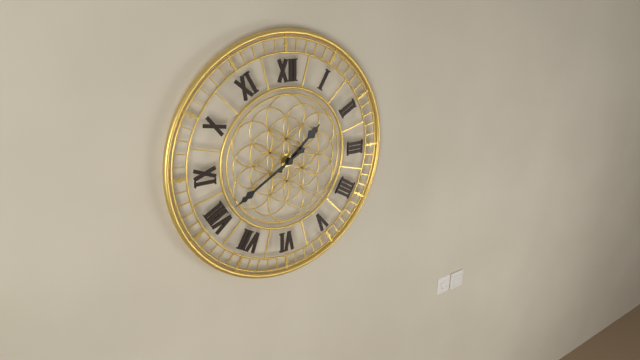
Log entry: 1,40
